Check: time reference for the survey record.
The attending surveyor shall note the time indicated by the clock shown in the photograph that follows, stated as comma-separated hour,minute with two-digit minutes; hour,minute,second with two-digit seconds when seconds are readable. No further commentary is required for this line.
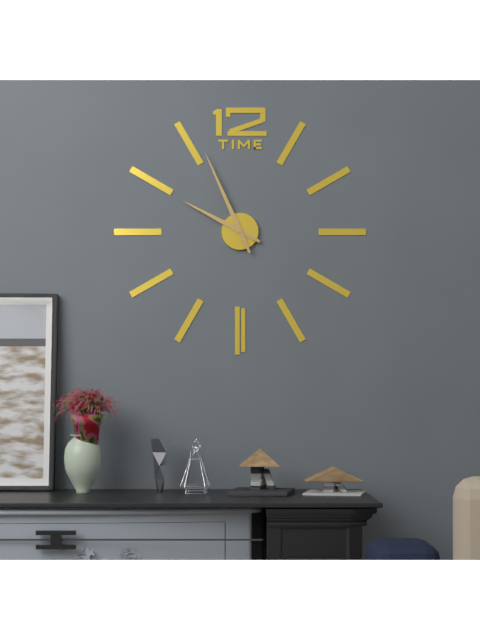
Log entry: 9,56
